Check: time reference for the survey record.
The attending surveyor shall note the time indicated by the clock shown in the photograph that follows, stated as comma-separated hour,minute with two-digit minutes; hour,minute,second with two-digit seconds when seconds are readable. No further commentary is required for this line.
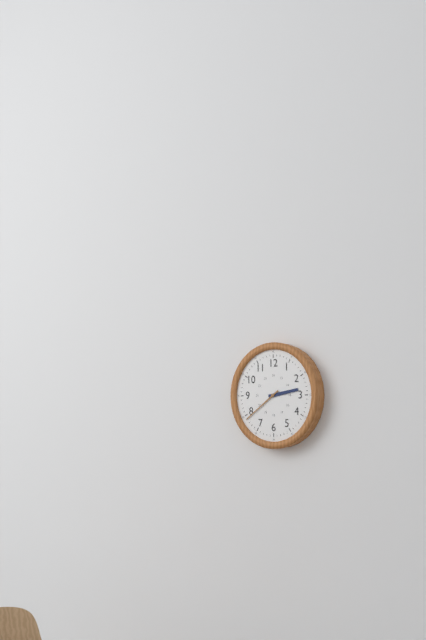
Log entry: 2,39
